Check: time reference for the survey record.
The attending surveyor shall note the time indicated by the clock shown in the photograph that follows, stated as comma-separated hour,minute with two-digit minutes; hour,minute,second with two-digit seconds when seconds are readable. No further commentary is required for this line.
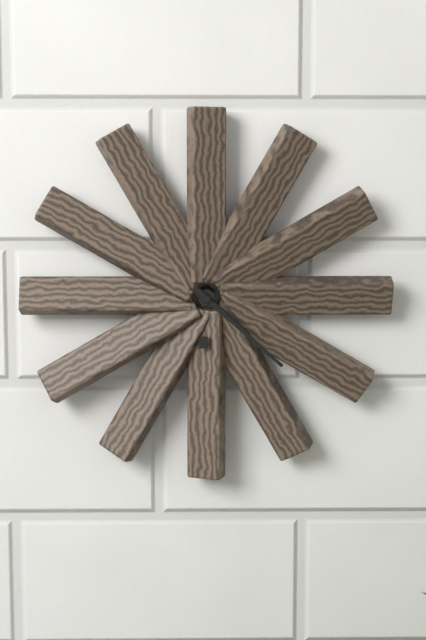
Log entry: 4,22
